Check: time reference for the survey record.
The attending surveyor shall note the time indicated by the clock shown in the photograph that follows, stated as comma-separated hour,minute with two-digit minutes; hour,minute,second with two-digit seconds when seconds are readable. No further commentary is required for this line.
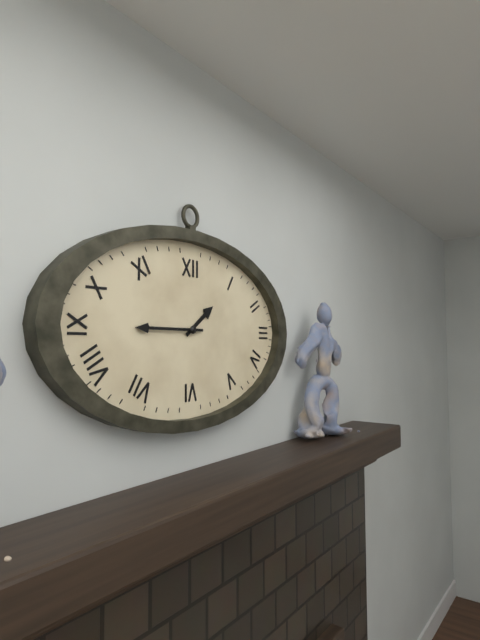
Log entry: 1,45
